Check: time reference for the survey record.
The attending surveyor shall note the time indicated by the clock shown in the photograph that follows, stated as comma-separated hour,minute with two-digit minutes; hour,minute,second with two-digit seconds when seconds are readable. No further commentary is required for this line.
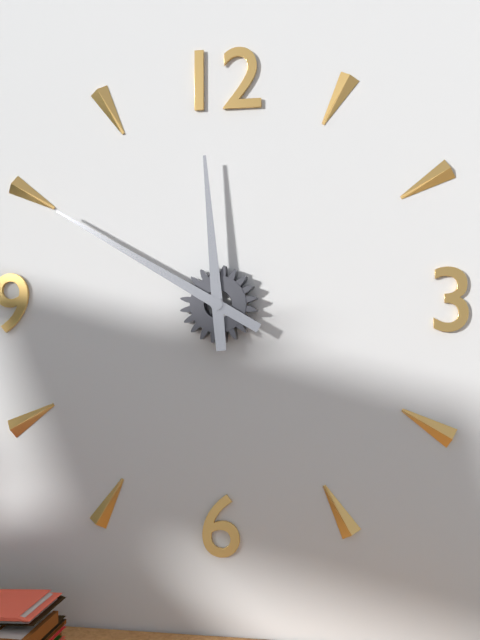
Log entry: 11,50
